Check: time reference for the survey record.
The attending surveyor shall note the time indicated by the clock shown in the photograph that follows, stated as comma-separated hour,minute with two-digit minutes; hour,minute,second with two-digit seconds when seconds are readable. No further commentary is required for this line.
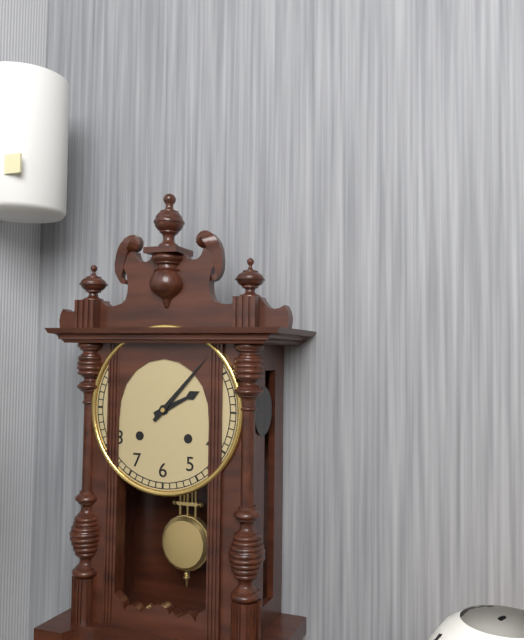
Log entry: 2,07
